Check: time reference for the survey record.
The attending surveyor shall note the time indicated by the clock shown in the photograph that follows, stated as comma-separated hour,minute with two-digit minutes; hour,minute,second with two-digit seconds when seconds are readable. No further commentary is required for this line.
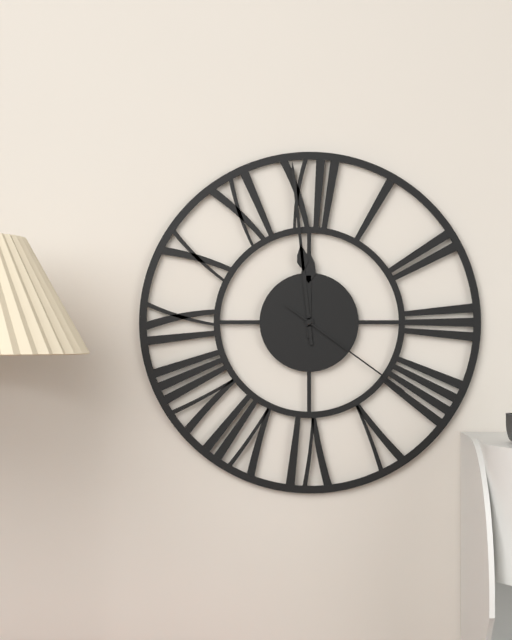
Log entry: 11,59,21
